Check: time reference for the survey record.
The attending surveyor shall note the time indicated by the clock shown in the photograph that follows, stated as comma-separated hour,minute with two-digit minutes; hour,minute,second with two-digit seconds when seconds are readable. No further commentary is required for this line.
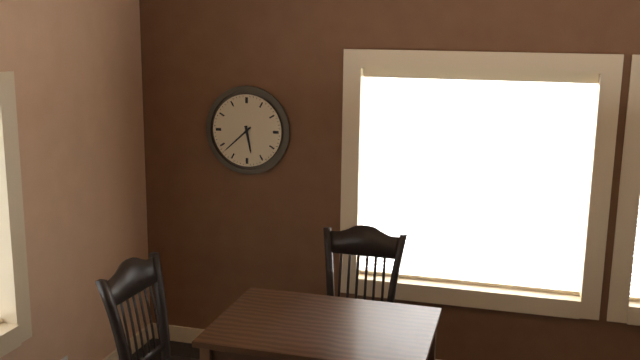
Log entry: 5,38
